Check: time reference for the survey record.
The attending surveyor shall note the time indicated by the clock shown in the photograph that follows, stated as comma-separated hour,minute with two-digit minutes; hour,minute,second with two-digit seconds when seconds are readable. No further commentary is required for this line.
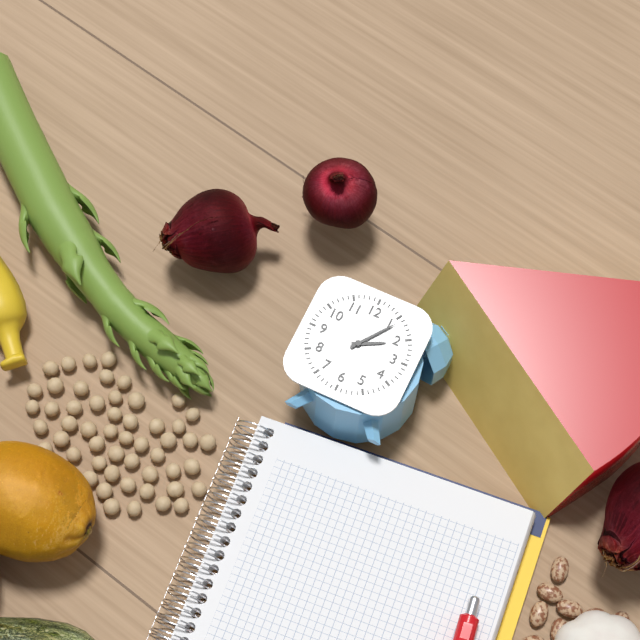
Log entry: 2,06
